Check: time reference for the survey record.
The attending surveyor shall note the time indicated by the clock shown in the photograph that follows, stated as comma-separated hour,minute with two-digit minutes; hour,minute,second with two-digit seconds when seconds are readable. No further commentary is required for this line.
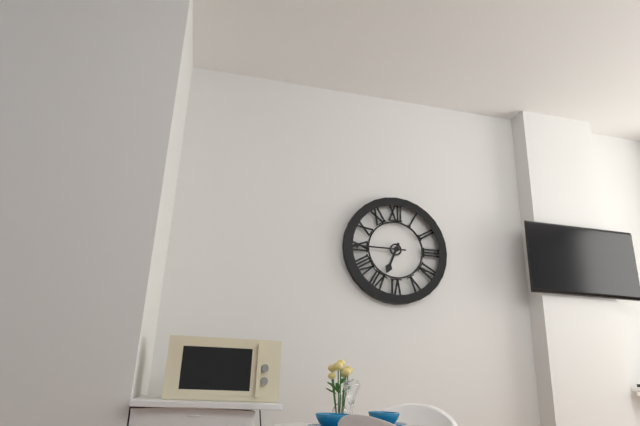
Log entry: 6,45
